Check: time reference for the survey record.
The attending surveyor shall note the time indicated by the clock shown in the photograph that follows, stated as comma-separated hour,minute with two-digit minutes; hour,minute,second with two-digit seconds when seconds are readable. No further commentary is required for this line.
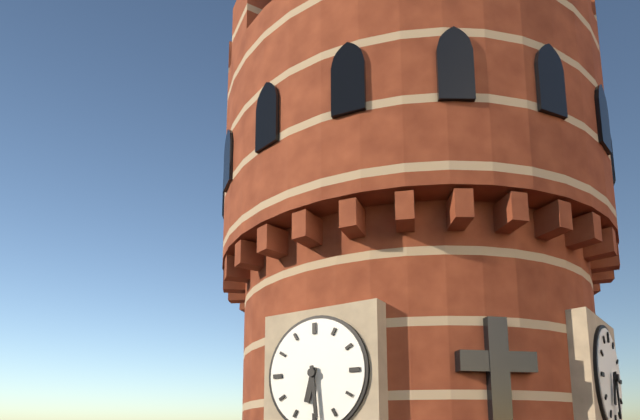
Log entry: 6,29
